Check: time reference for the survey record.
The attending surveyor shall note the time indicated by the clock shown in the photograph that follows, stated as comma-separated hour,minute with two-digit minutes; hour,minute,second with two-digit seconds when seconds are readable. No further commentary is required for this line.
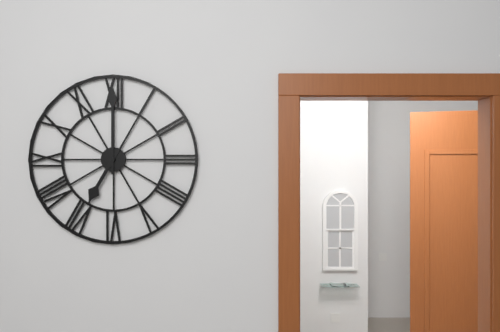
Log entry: 7,00
